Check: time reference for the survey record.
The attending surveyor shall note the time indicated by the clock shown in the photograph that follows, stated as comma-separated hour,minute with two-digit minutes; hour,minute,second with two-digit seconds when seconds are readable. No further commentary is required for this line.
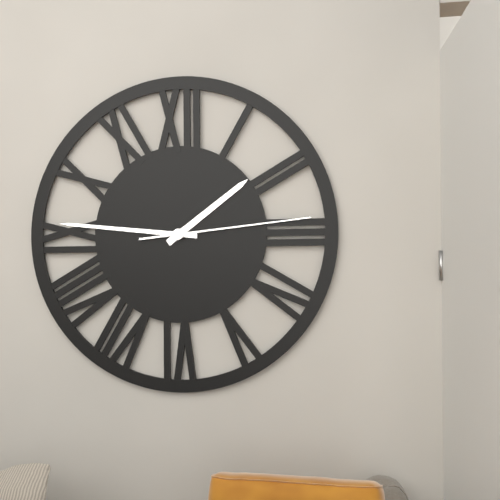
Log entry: 1,46,14
